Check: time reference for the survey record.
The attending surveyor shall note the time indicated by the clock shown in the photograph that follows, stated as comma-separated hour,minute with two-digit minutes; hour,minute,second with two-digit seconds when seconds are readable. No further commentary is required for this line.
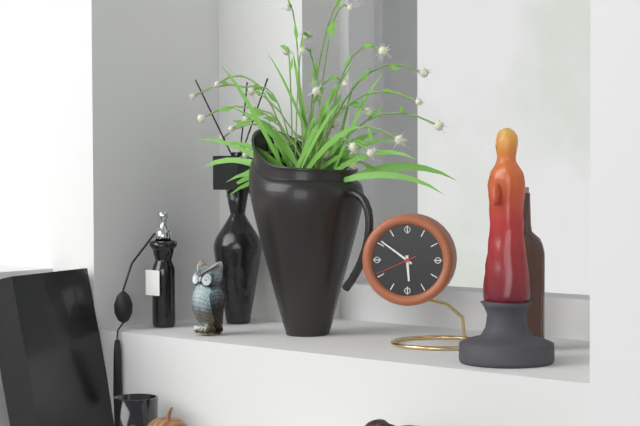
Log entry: 5,51
